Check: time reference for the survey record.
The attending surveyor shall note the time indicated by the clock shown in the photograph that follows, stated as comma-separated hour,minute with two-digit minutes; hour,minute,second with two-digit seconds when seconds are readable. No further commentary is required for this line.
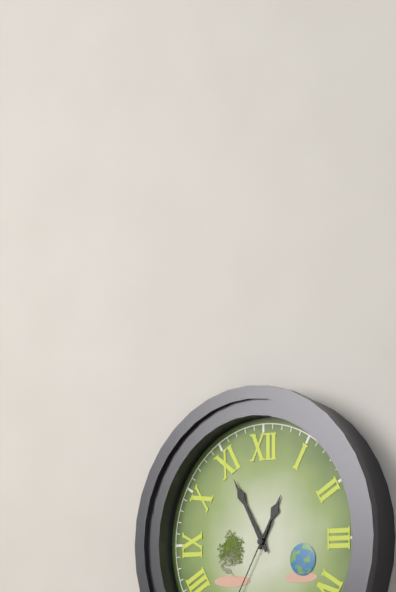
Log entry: 12,55
